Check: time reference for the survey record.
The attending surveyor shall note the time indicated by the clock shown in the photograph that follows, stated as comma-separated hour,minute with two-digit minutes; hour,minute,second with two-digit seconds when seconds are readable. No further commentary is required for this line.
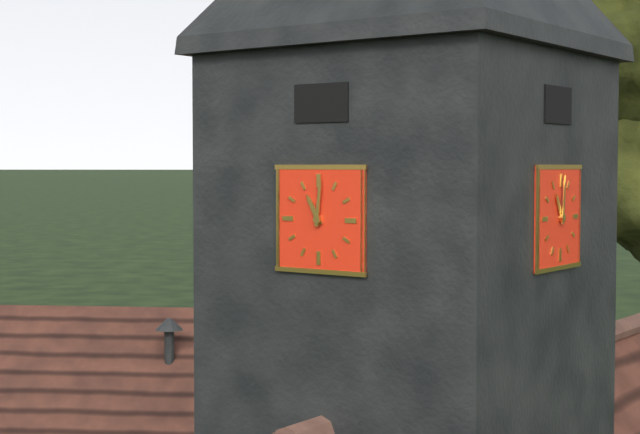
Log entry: 11,01
